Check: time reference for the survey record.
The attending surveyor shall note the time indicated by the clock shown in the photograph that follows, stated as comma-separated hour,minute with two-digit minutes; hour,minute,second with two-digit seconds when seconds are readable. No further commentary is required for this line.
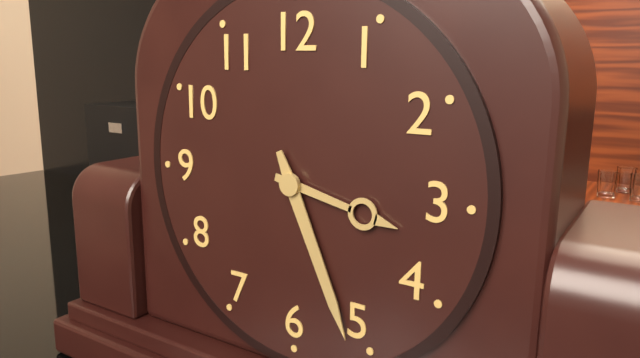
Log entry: 3,26
